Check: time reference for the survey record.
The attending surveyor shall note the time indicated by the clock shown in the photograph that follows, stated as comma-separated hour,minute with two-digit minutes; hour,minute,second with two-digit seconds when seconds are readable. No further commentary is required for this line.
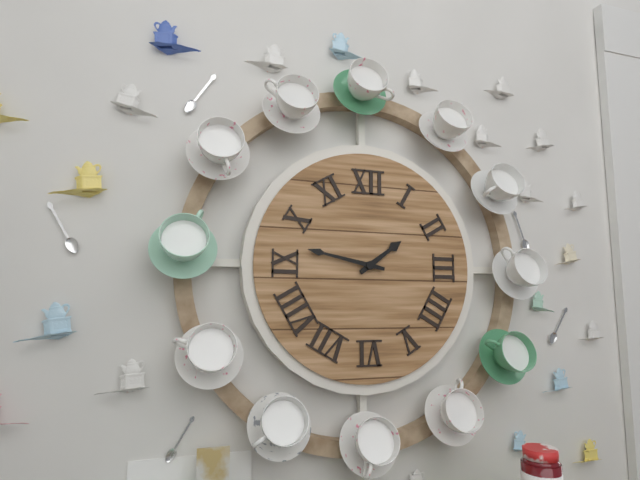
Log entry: 1,47
